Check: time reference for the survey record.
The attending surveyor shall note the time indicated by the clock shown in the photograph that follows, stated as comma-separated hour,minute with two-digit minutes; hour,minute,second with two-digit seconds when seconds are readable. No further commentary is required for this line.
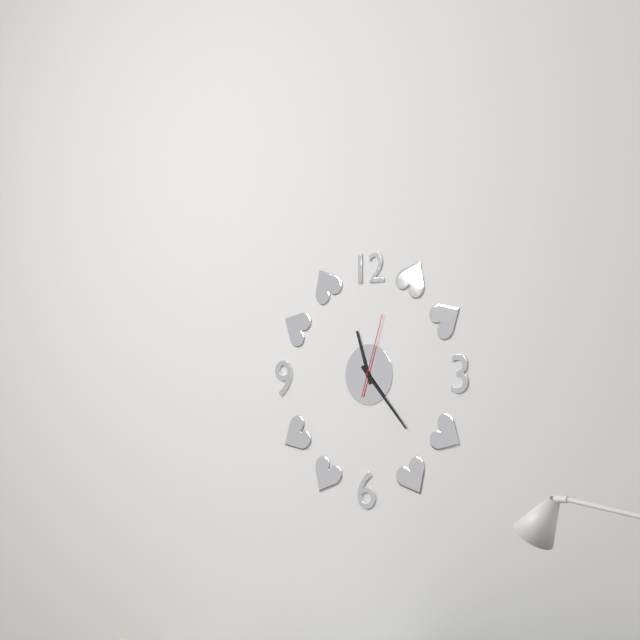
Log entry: 11,23,03
